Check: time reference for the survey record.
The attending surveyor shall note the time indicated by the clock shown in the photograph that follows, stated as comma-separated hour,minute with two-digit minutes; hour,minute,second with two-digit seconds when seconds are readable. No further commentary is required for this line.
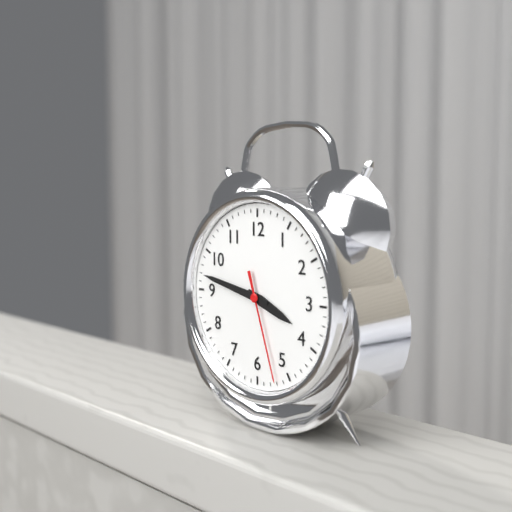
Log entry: 3,47,27
